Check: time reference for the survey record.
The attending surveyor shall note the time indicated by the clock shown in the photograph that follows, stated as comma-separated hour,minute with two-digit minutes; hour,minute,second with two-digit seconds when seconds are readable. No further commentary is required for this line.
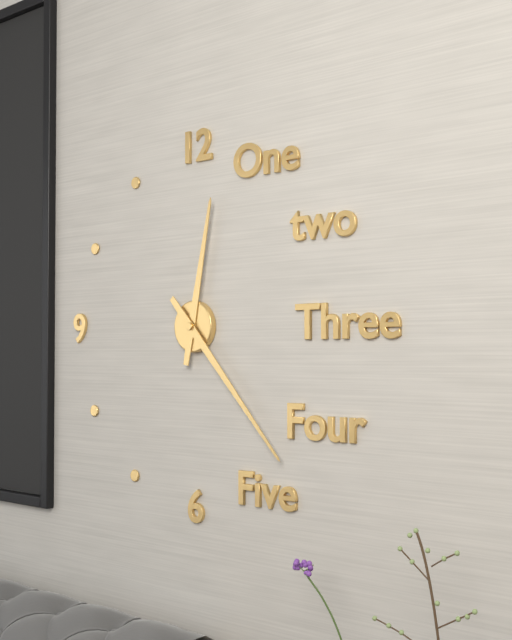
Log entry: 12,23
